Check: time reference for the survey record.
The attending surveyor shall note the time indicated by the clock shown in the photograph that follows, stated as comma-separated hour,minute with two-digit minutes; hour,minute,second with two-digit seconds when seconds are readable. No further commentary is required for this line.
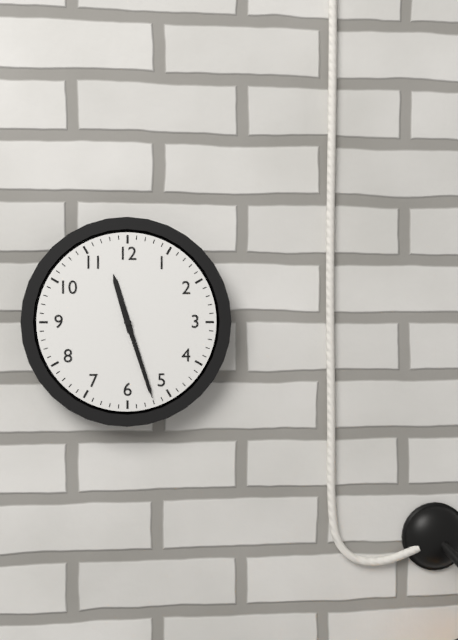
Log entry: 11,27,27
